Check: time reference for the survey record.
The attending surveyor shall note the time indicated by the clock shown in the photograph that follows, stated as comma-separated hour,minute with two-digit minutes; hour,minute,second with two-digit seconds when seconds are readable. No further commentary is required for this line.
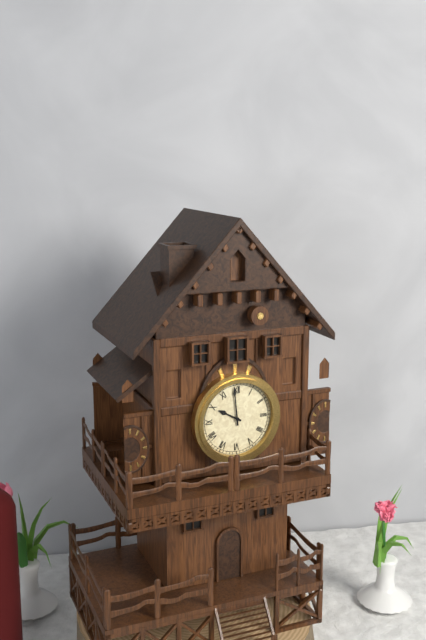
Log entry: 9,59
